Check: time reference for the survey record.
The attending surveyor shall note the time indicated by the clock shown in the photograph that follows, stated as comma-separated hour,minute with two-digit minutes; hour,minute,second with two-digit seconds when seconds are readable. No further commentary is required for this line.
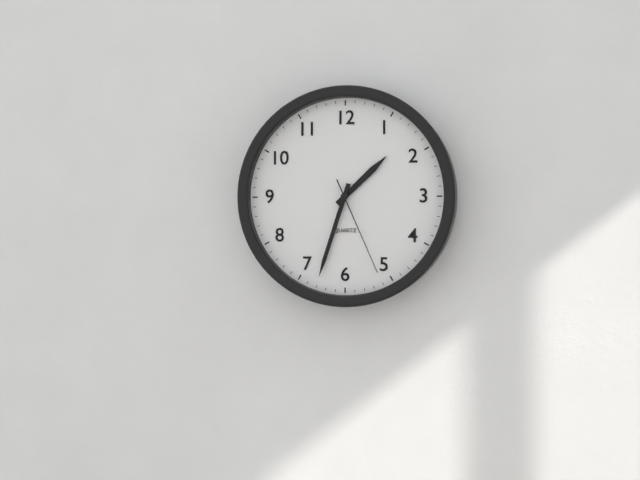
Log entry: 1,33,26
